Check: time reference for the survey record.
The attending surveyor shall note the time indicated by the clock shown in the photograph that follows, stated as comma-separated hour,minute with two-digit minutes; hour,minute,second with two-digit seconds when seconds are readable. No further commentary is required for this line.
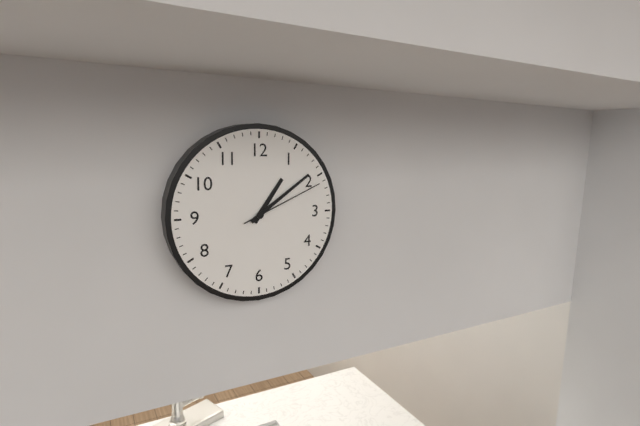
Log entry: 1,09,11
